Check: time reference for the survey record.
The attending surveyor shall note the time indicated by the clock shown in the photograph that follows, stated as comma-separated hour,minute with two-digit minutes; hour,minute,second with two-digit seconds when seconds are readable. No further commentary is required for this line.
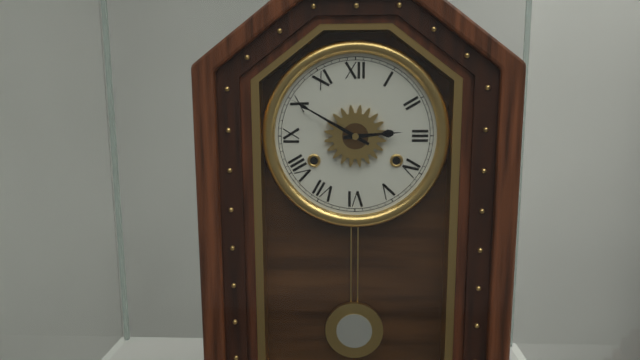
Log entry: 2,50
